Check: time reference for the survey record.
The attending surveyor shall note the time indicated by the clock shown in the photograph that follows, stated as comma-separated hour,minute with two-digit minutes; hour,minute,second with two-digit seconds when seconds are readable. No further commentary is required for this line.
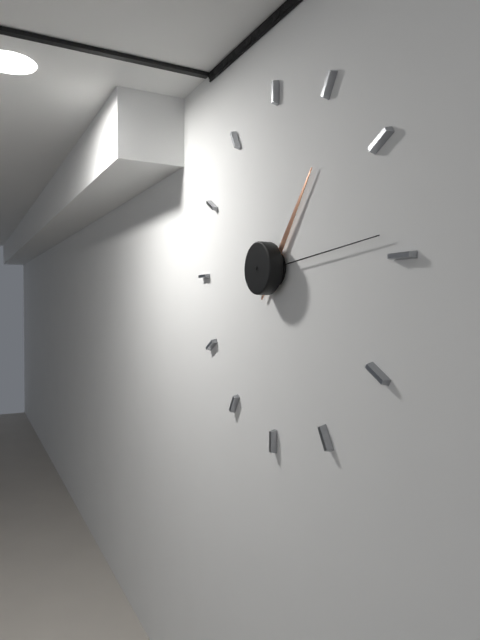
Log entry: 1,14
